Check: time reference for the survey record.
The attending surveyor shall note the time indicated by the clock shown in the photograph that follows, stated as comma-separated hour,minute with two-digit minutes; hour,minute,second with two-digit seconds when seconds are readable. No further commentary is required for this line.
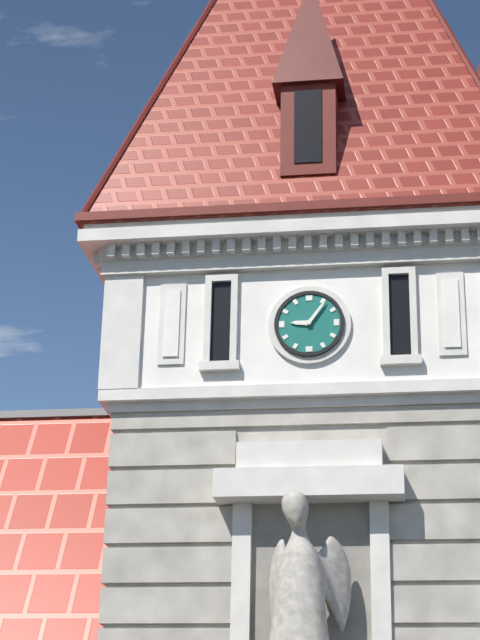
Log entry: 9,06
